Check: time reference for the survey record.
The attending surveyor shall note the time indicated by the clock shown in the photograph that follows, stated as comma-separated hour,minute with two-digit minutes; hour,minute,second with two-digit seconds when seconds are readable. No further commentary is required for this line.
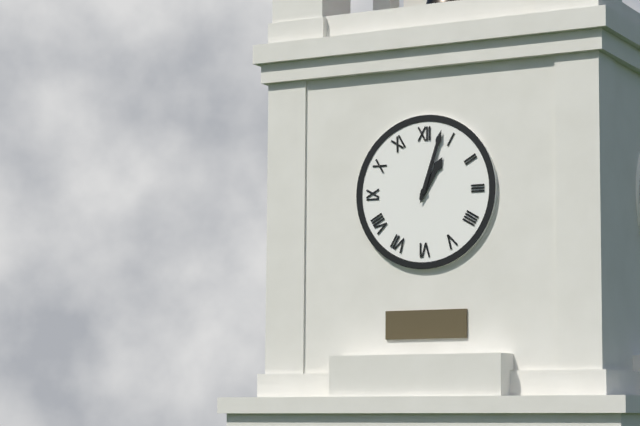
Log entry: 1,03
